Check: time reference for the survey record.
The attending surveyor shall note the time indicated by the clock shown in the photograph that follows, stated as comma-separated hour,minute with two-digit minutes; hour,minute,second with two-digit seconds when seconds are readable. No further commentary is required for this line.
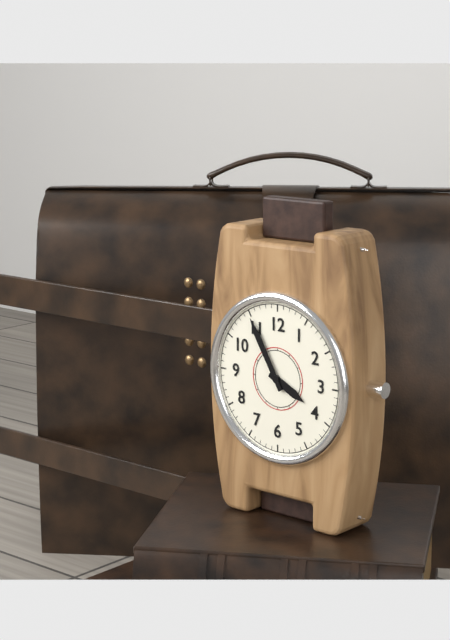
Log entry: 3,55
